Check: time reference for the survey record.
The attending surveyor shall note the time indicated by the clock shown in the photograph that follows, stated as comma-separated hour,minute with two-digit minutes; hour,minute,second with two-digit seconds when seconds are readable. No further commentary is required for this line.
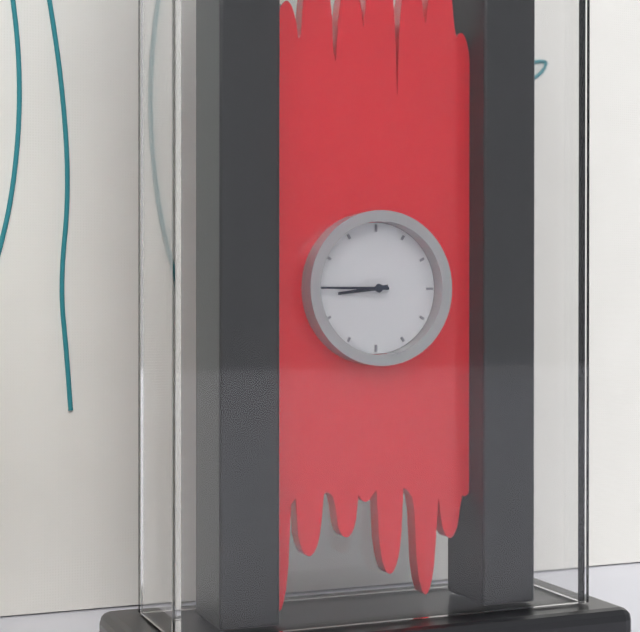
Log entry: 8,45
